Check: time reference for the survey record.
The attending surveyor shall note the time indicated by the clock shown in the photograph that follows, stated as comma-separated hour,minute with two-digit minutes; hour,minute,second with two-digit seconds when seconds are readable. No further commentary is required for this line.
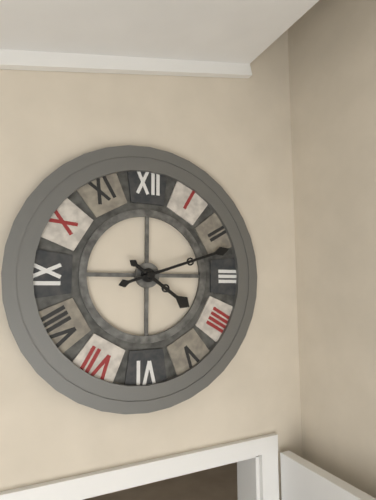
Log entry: 4,12
